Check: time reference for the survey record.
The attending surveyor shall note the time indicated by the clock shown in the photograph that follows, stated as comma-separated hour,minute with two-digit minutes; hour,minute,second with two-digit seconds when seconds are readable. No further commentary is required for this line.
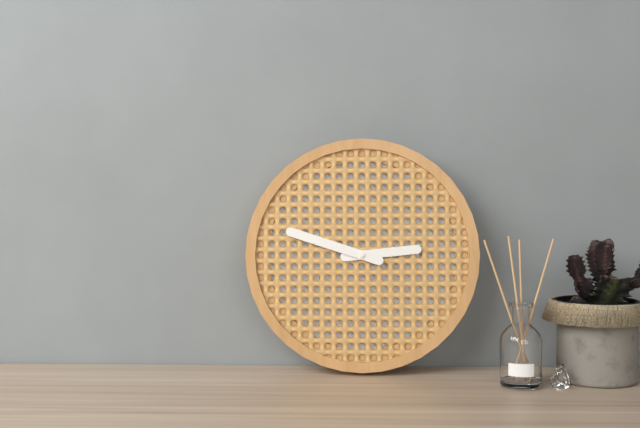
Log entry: 2,48
